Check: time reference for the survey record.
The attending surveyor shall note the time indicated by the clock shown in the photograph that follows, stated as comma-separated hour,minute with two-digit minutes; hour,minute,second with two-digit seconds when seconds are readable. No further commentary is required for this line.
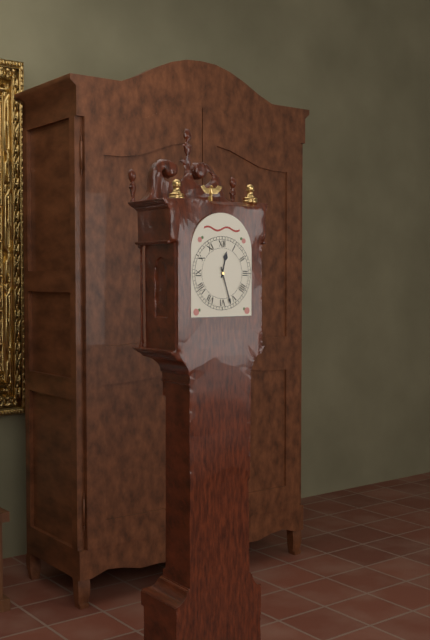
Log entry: 12,27
